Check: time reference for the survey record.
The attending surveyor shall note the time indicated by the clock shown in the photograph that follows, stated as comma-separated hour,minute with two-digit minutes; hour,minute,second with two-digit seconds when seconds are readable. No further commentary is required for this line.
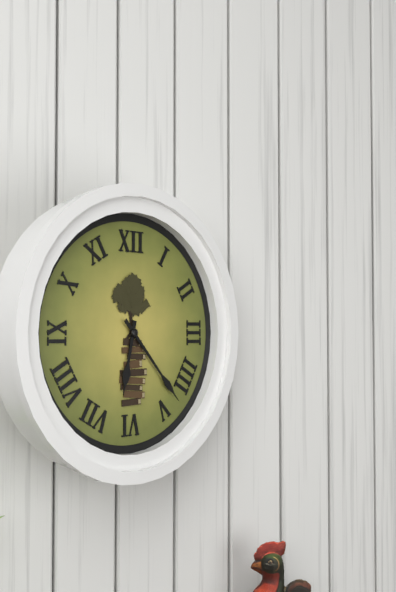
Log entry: 6,23
